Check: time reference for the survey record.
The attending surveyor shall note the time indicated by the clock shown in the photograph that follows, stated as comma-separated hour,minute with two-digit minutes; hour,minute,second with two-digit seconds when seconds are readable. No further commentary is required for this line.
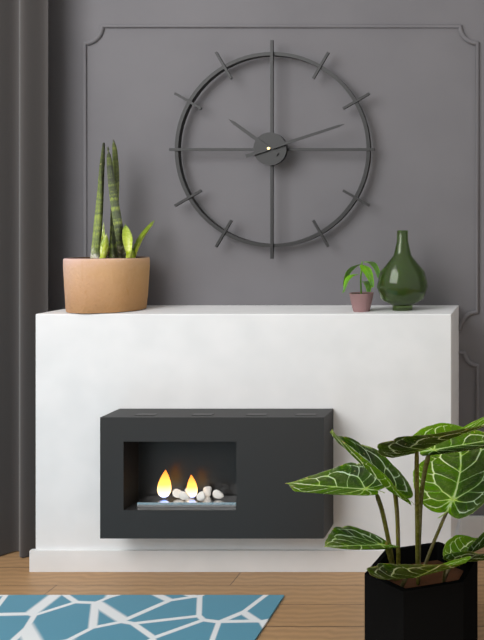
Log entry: 10,12
